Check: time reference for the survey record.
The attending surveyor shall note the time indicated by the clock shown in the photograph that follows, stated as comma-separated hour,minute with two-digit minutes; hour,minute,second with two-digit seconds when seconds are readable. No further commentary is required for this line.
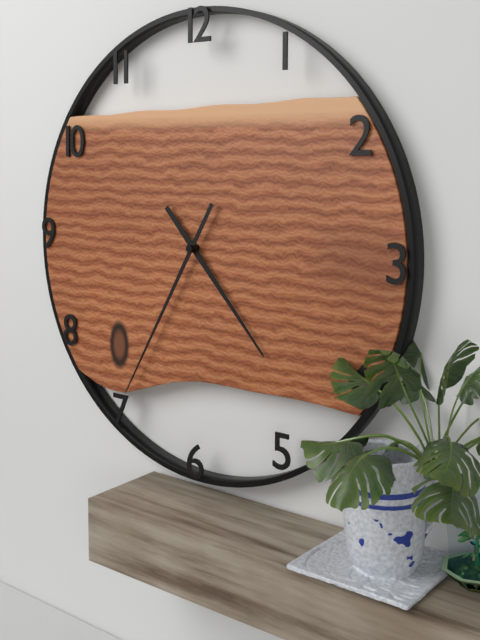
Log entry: 4,35
